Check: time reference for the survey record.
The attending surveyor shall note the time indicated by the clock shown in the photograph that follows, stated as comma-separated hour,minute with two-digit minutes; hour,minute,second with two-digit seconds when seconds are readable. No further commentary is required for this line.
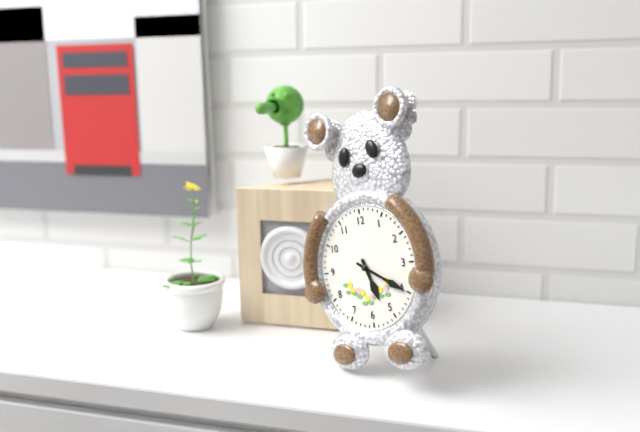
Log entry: 5,20
